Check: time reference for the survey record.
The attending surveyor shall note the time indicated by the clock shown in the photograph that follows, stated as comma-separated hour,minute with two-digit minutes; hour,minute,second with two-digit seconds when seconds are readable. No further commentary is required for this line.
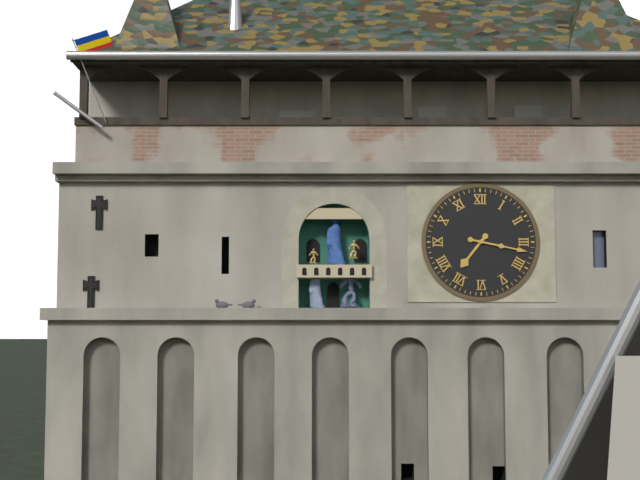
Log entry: 7,17
